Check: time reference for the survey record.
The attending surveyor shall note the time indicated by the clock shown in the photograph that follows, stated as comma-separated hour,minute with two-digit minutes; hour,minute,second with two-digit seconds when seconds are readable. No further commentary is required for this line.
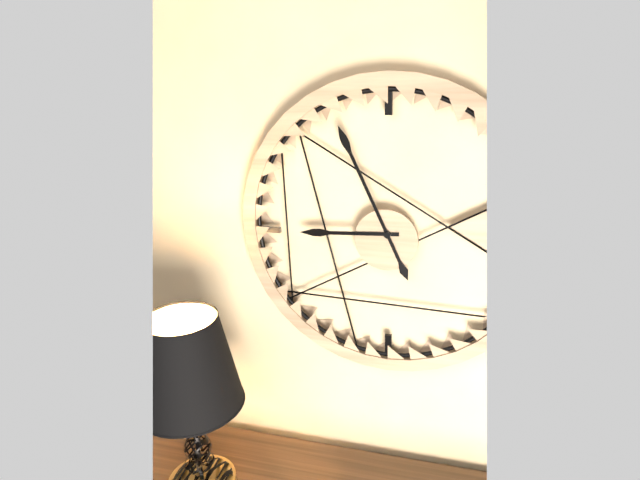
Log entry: 8,56
